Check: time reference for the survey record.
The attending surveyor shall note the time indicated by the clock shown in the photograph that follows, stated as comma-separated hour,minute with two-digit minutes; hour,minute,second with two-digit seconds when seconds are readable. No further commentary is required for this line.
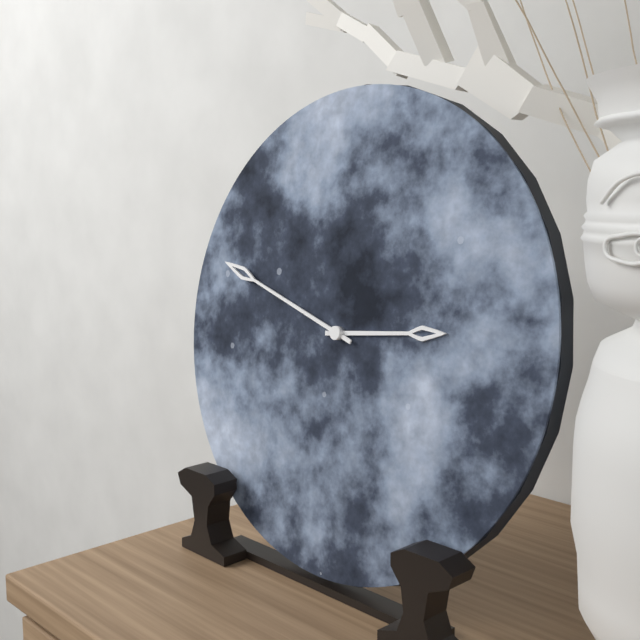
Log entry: 2,48
